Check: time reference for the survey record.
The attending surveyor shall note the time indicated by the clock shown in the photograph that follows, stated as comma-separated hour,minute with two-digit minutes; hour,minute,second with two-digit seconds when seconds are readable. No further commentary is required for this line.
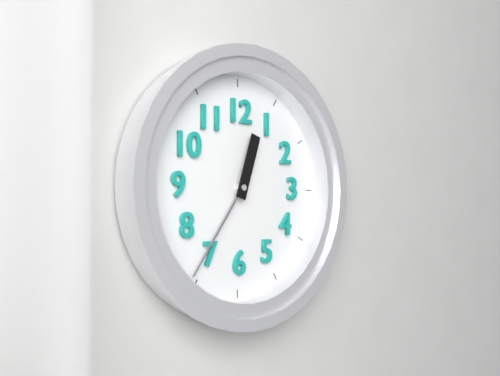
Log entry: 12,36
